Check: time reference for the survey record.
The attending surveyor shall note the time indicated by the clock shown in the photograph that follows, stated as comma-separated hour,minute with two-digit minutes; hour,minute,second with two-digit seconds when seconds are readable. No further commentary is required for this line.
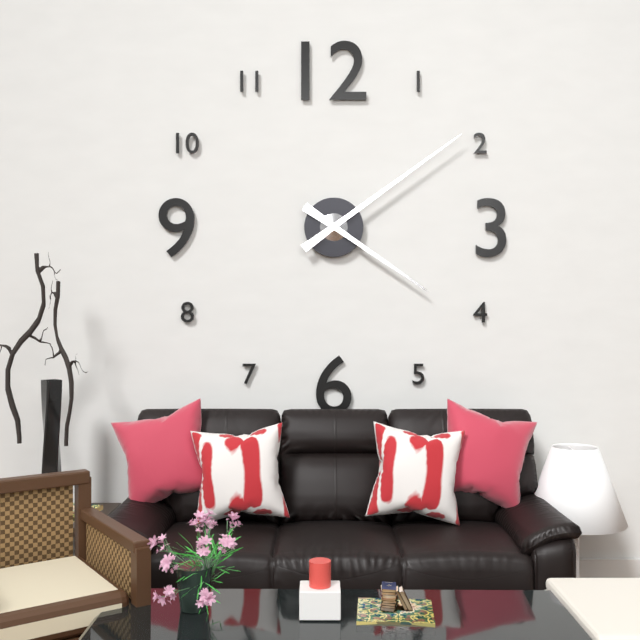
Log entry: 4,09
